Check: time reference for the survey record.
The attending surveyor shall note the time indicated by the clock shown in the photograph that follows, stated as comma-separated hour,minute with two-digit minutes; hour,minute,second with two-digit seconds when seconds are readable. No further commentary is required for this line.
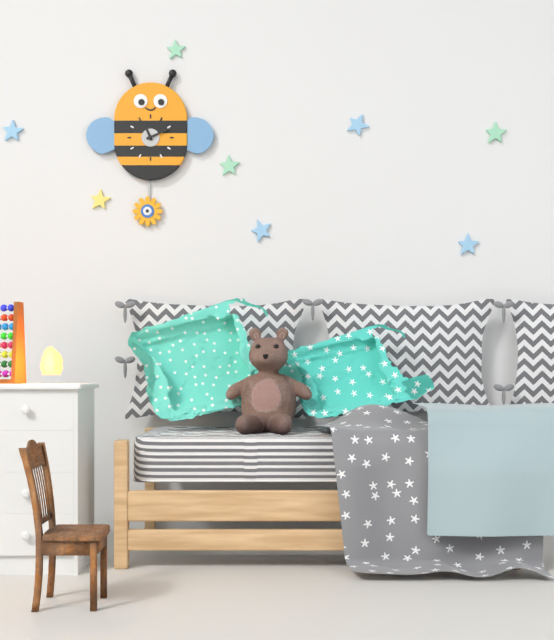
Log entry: 11,11
